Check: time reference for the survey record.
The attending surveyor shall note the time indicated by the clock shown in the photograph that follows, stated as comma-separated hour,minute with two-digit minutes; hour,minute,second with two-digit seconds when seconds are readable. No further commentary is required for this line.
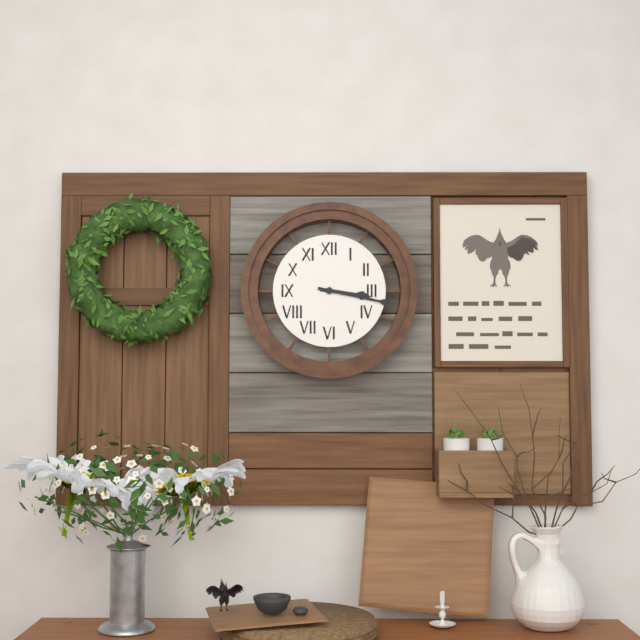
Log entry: 3,17
